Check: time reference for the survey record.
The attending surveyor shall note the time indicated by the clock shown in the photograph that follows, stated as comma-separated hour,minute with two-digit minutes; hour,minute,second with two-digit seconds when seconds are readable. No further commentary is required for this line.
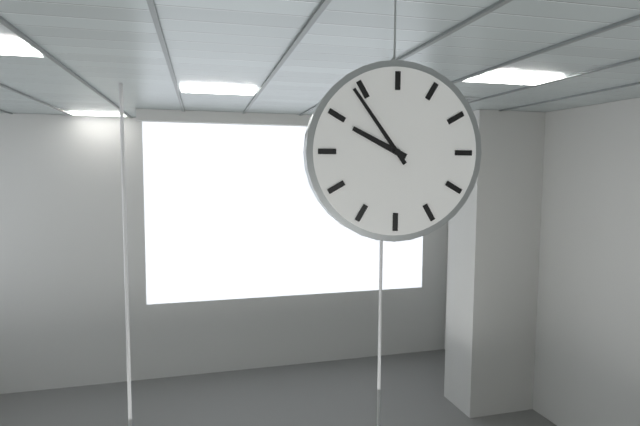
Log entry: 9,54
